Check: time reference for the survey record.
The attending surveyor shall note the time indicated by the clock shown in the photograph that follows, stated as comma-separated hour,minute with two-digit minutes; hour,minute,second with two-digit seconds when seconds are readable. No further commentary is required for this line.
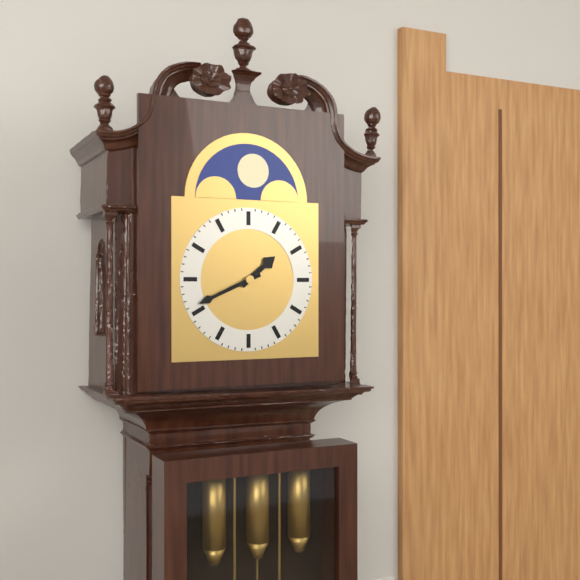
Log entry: 1,41
